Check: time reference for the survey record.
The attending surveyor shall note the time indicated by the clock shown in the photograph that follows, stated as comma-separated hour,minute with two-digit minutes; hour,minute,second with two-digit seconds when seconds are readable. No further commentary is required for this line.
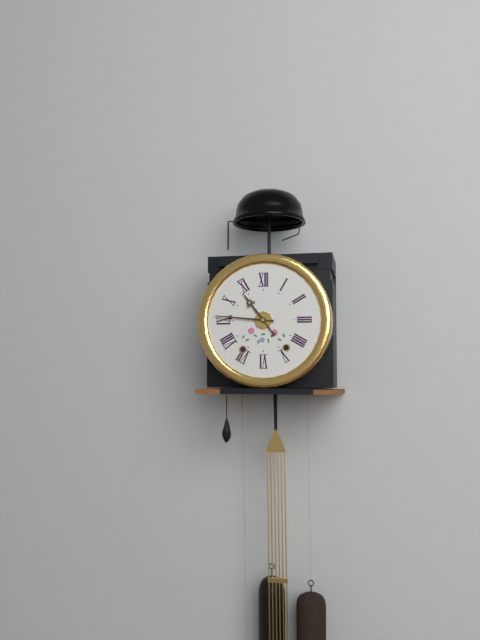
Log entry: 10,46
